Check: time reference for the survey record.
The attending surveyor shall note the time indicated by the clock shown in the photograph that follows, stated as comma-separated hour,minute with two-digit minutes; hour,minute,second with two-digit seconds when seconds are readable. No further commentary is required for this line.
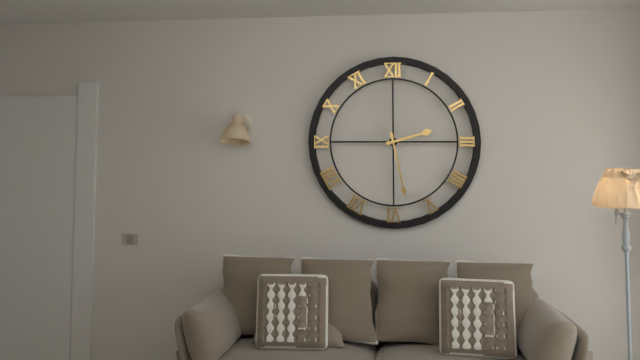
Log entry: 2,28
